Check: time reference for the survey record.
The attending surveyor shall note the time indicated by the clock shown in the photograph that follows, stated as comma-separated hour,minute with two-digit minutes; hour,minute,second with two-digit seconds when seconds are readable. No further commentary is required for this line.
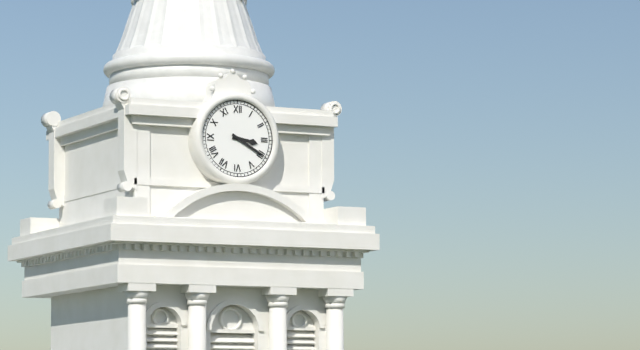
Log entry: 3,20
